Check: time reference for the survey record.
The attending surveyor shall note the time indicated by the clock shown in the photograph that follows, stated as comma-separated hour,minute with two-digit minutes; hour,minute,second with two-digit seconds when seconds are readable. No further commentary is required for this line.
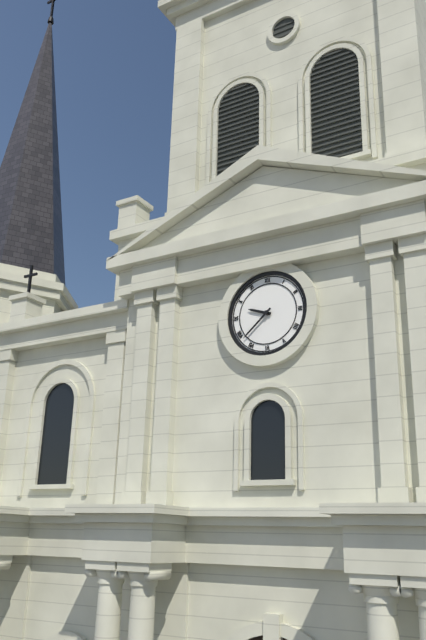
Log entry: 9,38
